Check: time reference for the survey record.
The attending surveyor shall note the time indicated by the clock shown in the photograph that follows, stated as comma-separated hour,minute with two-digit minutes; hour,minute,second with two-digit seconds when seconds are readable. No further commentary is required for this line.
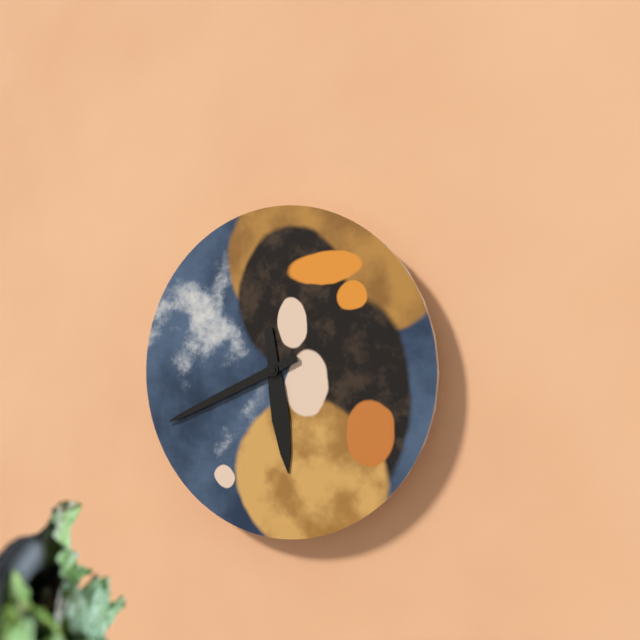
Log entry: 5,41
